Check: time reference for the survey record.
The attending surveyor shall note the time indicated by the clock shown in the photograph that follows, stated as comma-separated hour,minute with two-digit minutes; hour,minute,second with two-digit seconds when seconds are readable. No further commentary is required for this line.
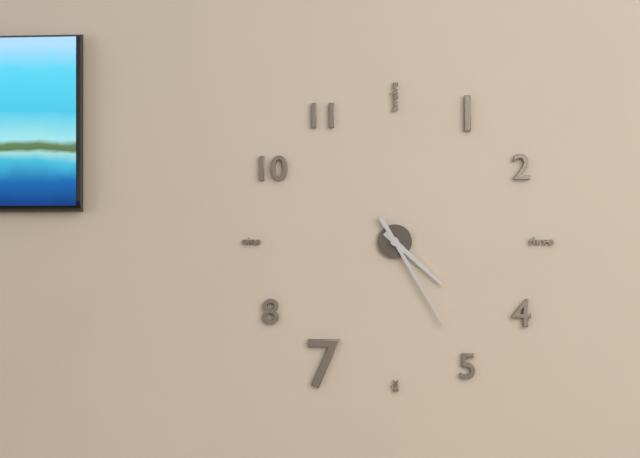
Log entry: 4,25
